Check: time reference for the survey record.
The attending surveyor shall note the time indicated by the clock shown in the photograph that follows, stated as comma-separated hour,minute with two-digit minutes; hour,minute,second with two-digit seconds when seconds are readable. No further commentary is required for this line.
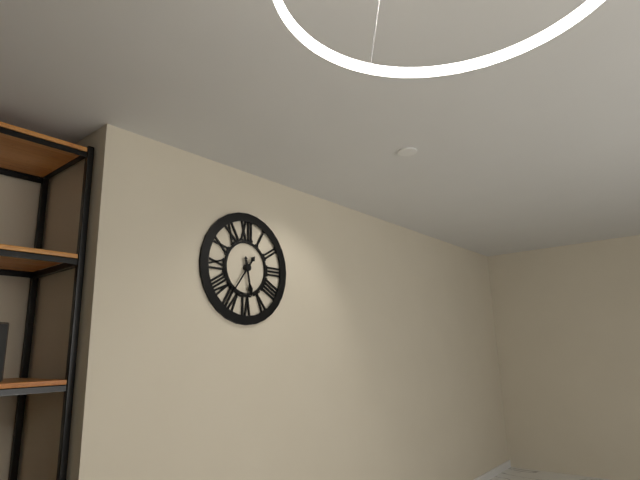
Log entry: 5,36
